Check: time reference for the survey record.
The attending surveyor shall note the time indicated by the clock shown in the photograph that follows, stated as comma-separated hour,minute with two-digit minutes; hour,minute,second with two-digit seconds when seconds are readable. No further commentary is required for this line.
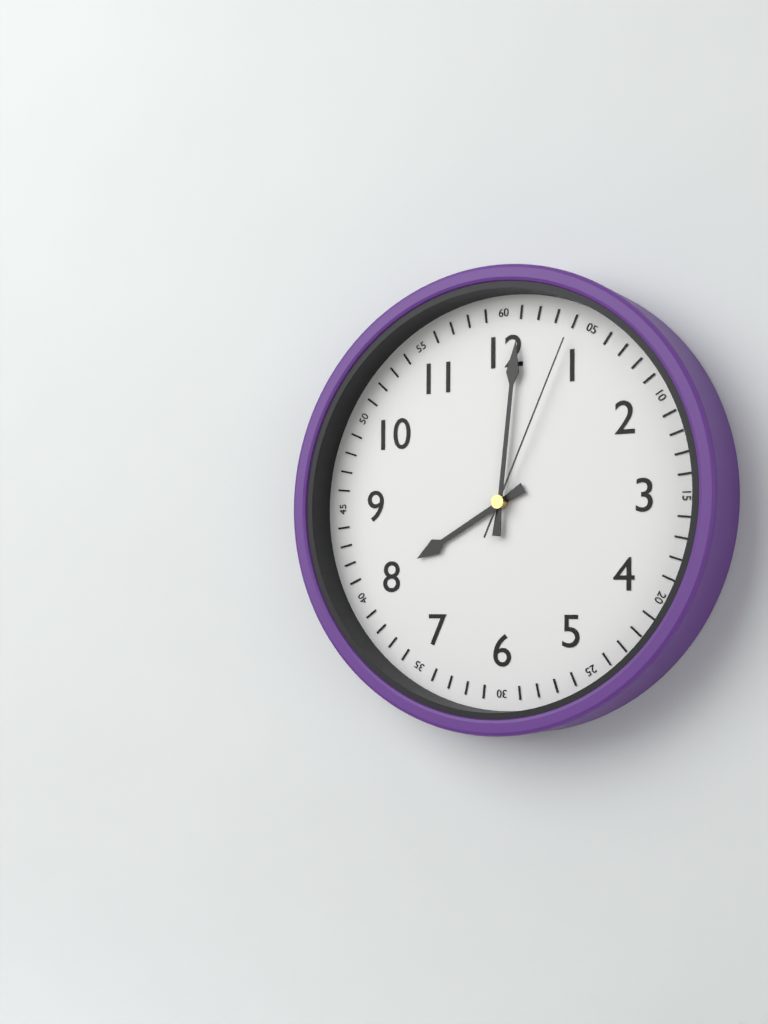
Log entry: 8,01,04
